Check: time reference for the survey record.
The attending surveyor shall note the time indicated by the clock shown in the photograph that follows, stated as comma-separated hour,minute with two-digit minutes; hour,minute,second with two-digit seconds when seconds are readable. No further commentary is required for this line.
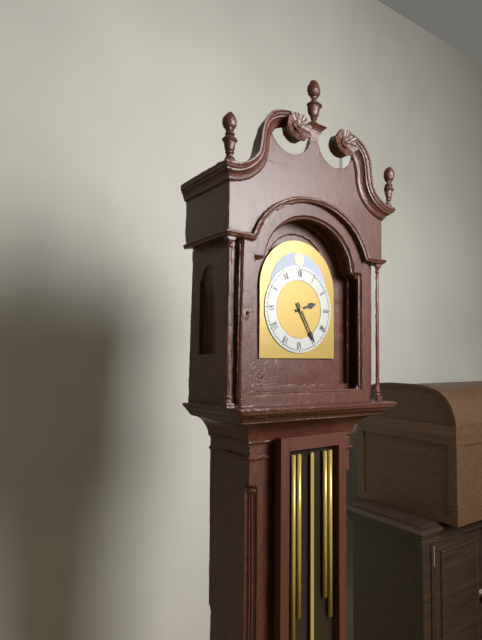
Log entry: 2,25
